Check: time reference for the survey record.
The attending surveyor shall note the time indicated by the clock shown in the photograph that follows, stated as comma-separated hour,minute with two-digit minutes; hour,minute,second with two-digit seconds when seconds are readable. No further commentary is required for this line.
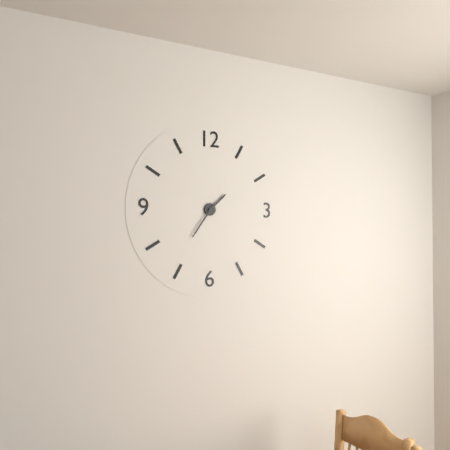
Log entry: 1,36
